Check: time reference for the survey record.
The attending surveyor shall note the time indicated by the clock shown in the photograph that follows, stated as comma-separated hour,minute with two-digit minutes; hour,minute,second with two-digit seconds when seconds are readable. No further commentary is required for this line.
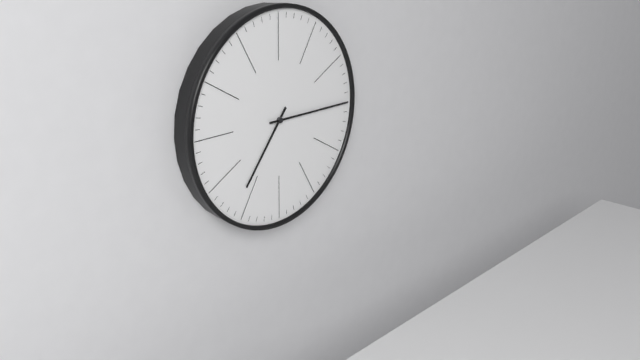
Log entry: 7,15
